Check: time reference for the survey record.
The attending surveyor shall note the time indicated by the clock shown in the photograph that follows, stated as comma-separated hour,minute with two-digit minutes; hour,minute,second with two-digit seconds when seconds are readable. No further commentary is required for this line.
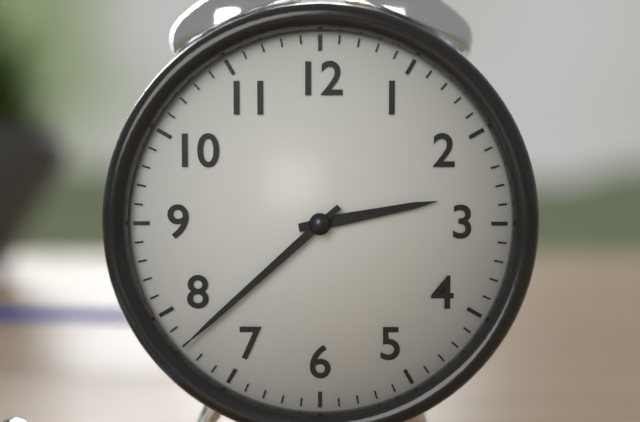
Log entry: 2,38
